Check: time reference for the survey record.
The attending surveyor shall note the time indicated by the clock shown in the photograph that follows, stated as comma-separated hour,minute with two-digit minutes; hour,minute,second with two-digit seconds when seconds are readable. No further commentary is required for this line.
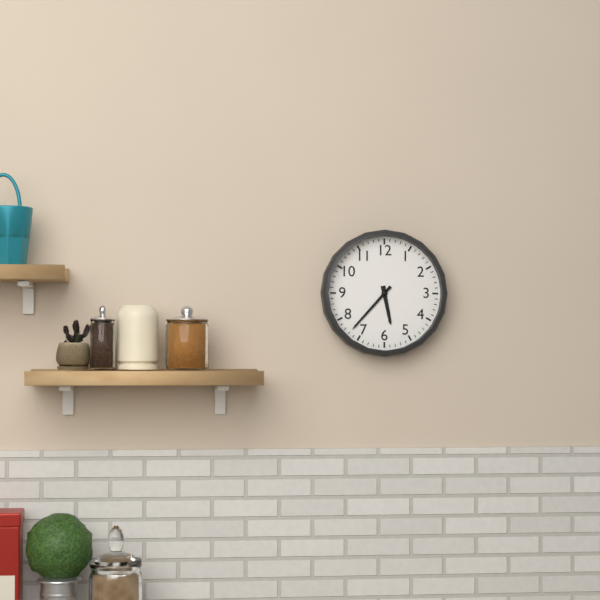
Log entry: 5,37
